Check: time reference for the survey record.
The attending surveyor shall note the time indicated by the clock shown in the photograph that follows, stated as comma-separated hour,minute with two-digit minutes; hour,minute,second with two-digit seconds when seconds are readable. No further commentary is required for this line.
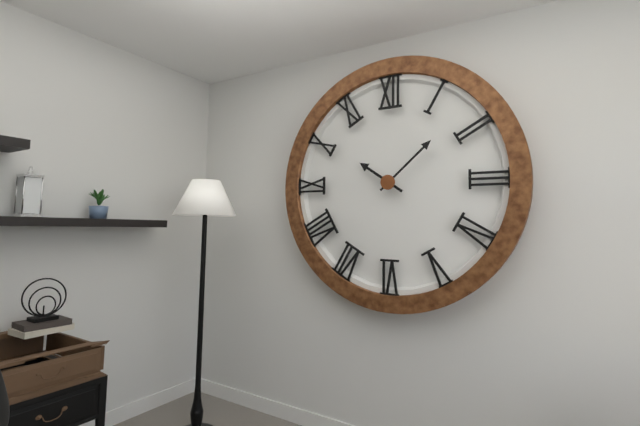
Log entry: 10,08
